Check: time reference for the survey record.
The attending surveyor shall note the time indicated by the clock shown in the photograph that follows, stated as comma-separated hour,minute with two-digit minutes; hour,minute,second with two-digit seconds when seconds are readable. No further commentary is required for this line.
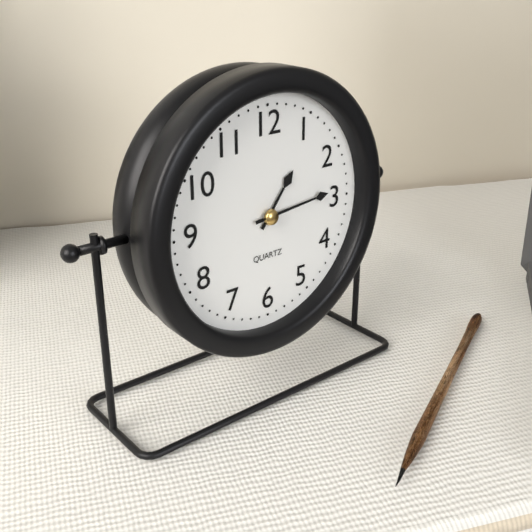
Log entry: 1,14
